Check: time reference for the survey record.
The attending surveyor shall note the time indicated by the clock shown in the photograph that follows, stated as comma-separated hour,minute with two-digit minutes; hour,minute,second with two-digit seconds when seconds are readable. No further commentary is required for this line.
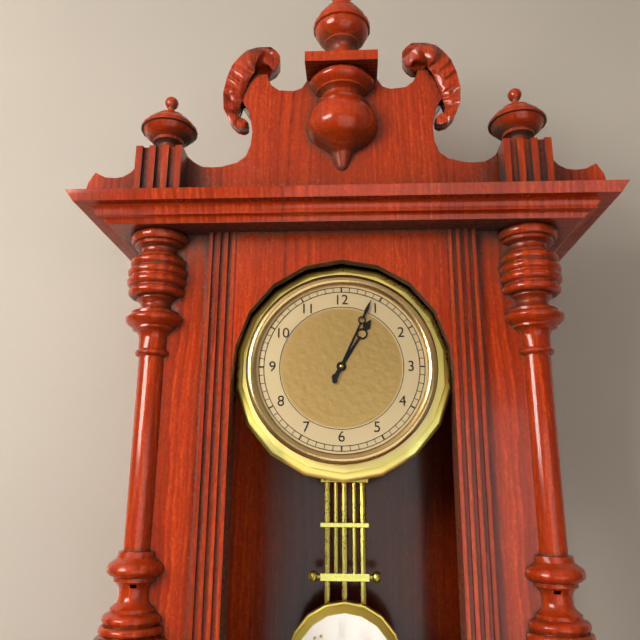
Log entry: 1,04
